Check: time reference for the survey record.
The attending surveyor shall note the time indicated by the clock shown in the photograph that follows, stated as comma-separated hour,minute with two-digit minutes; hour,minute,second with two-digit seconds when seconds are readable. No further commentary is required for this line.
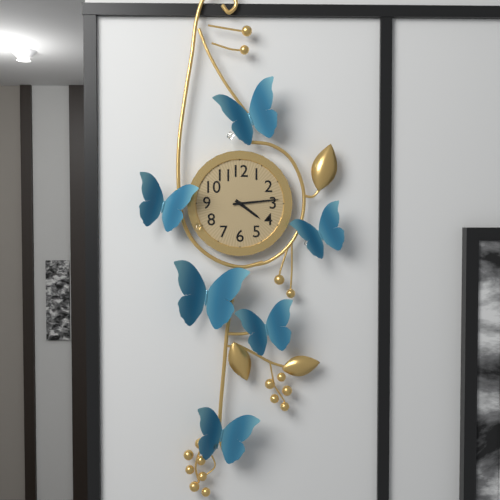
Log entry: 4,14
